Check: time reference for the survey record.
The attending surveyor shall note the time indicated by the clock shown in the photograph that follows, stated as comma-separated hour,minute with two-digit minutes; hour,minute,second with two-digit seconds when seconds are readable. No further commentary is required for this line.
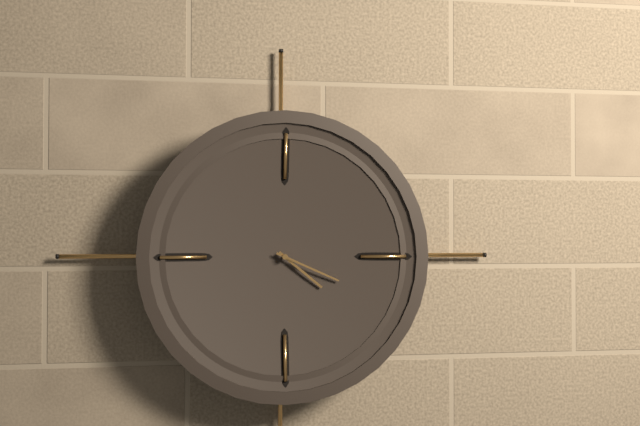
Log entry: 4,19
